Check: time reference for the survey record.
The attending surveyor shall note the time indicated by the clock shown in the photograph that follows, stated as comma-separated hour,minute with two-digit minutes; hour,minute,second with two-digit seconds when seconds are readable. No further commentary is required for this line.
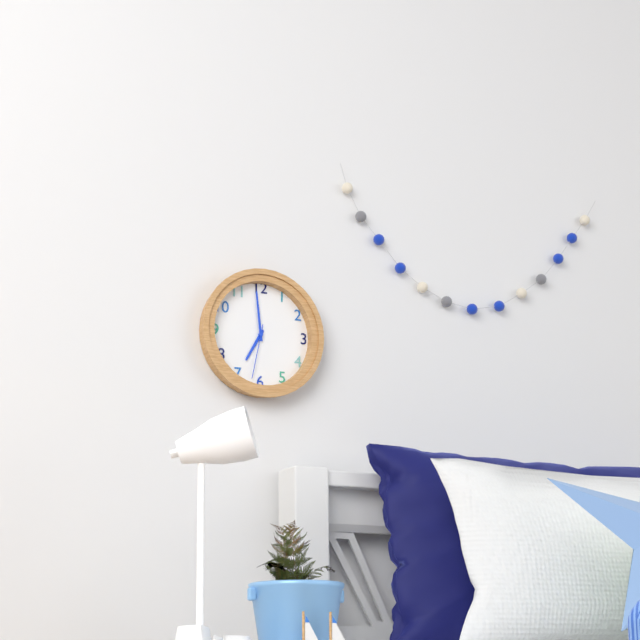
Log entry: 6,59,32
